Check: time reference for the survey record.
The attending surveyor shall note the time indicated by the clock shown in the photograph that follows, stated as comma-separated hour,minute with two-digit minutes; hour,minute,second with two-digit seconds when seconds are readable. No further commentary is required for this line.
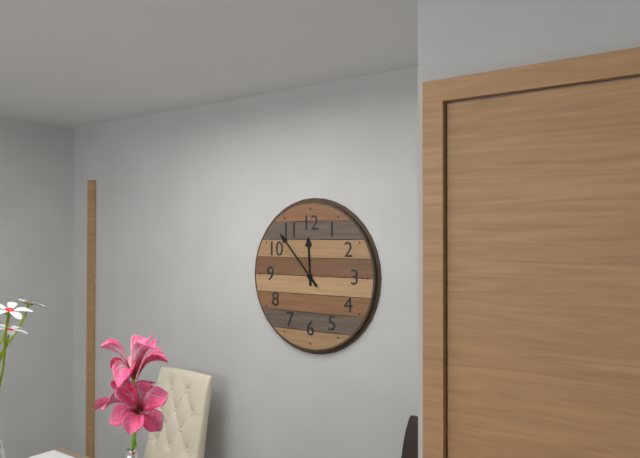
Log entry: 11,53
